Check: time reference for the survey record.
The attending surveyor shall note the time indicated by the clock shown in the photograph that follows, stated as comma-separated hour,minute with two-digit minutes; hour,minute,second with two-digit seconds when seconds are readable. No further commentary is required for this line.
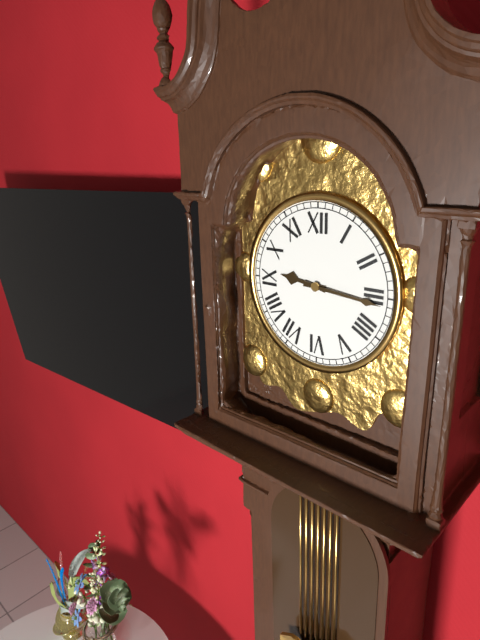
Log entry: 9,16
